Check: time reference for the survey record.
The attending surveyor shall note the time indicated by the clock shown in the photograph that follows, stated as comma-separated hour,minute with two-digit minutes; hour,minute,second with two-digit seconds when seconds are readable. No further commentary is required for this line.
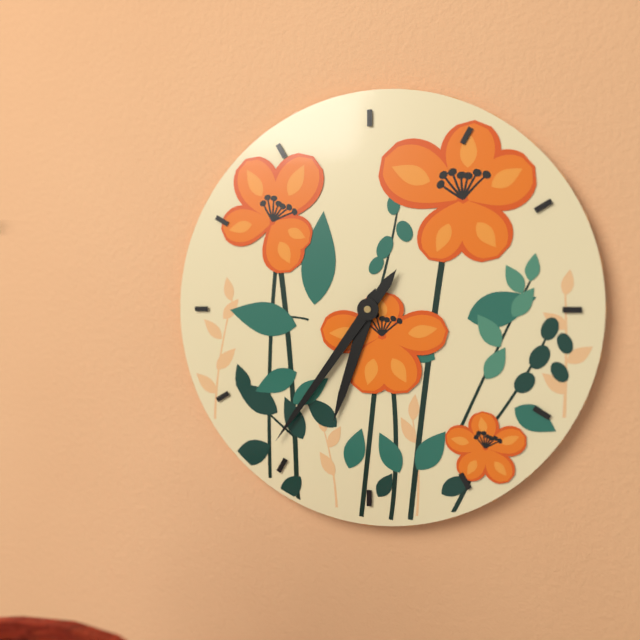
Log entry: 6,36
